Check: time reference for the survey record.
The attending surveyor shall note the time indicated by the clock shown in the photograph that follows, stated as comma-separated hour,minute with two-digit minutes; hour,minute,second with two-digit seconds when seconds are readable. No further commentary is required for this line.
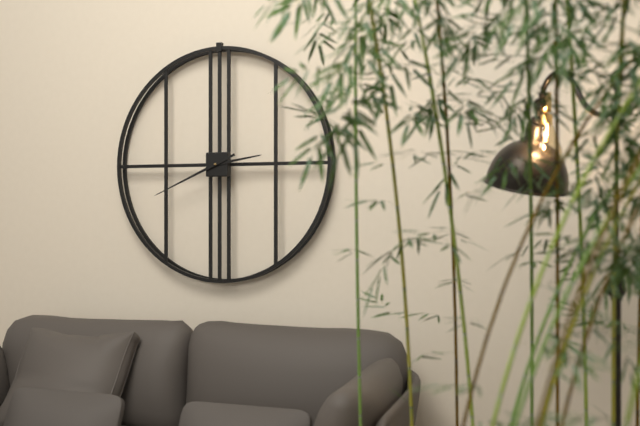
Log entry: 2,41
